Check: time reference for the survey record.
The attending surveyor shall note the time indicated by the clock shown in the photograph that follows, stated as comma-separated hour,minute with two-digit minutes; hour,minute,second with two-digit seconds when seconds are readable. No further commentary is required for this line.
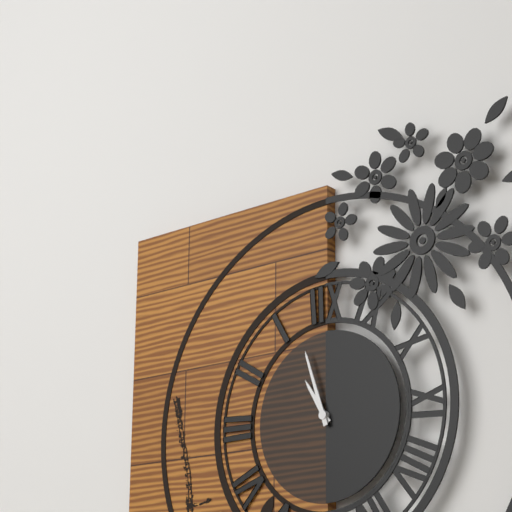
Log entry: 10,57
